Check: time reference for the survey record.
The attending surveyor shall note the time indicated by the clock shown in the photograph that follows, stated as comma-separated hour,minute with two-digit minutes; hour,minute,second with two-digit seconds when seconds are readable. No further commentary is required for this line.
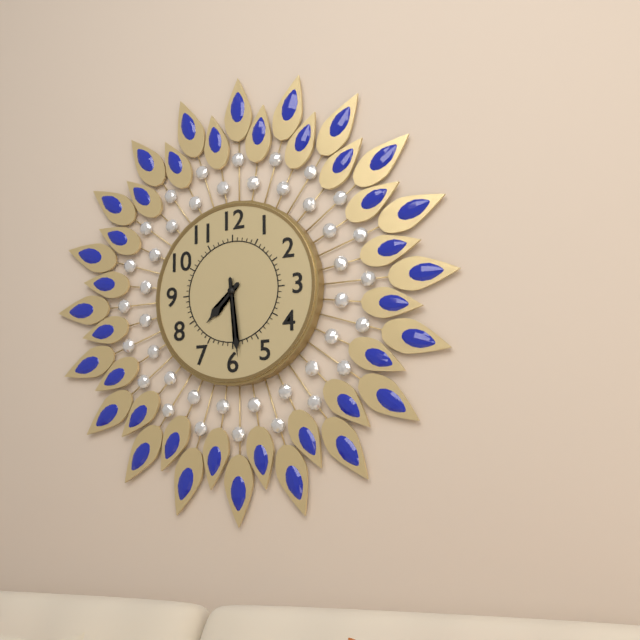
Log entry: 7,29
